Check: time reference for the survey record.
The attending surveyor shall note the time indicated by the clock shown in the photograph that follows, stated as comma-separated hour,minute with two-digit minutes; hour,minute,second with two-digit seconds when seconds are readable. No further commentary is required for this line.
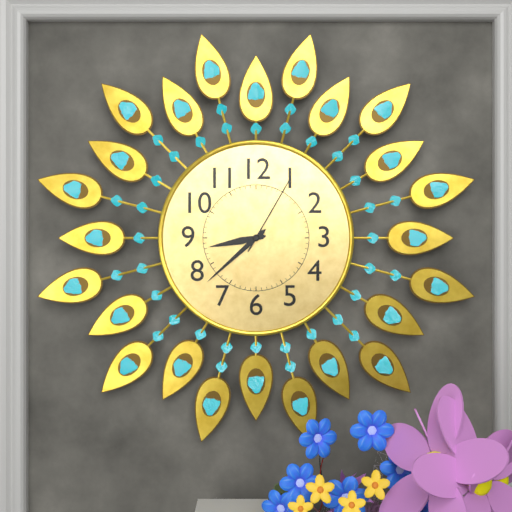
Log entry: 8,38,05
